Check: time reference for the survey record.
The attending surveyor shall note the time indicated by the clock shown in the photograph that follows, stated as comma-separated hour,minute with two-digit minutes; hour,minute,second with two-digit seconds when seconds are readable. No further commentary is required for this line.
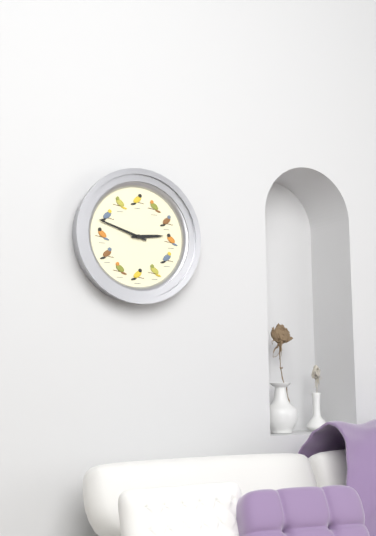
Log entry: 2,48
